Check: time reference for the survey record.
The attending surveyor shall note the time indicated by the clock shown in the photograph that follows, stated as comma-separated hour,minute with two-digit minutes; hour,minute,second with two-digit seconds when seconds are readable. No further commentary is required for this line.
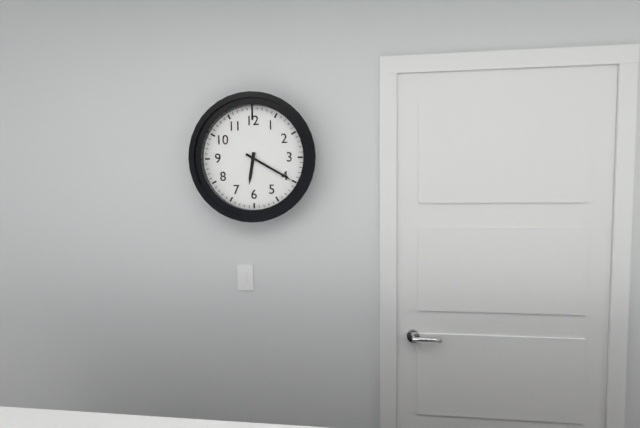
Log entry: 6,20
